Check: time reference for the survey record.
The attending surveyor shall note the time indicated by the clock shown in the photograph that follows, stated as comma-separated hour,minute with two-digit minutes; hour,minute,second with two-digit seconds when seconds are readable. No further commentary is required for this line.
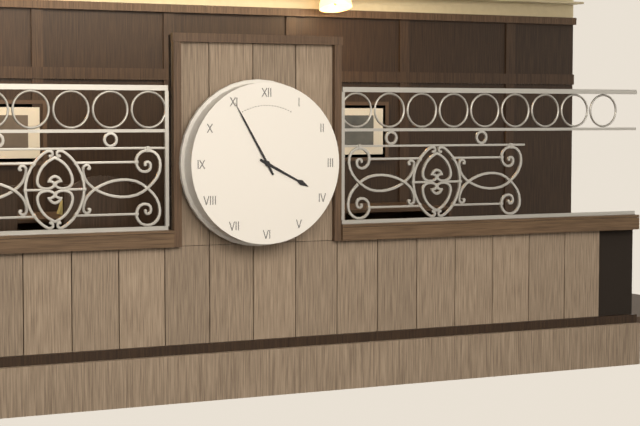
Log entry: 3,55
